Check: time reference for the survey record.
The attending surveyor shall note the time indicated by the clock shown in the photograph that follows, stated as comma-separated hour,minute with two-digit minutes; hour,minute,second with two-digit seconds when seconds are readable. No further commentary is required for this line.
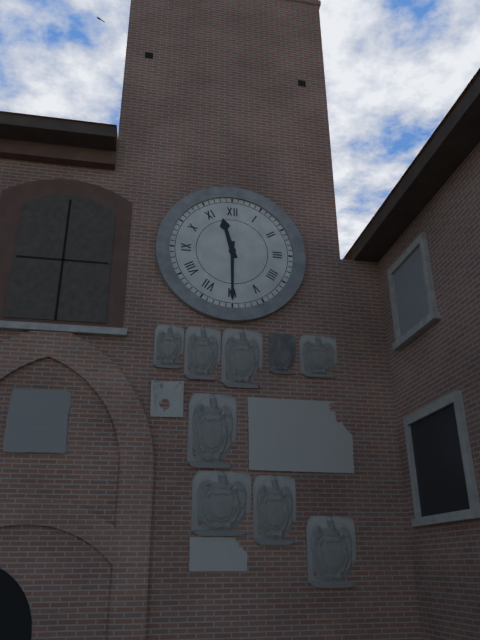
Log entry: 11,30
